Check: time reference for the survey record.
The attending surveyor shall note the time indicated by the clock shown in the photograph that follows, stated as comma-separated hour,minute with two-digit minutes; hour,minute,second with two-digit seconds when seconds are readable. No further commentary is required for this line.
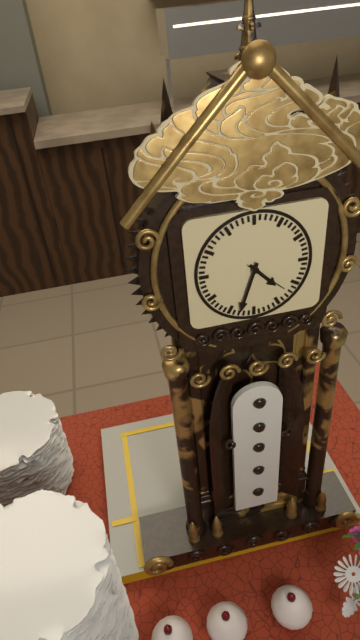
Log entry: 4,33
